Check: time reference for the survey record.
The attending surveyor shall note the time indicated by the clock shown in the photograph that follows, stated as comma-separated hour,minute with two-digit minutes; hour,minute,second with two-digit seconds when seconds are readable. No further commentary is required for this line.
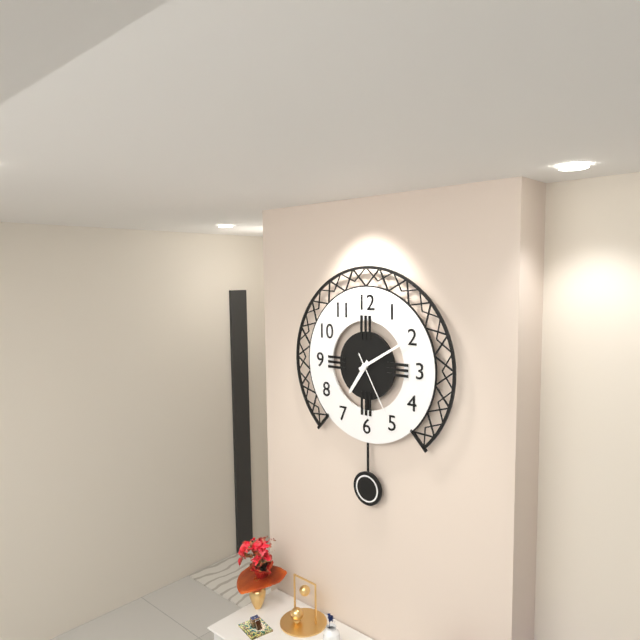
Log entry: 7,10,25
